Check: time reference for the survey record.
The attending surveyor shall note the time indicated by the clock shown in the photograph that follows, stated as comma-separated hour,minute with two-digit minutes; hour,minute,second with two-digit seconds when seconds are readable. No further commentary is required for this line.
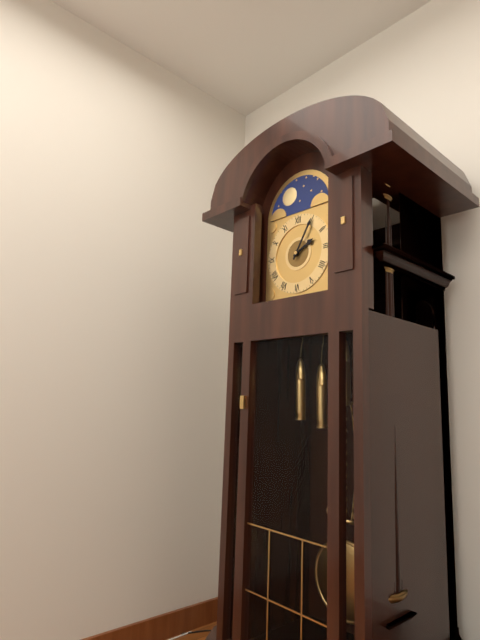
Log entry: 2,05
